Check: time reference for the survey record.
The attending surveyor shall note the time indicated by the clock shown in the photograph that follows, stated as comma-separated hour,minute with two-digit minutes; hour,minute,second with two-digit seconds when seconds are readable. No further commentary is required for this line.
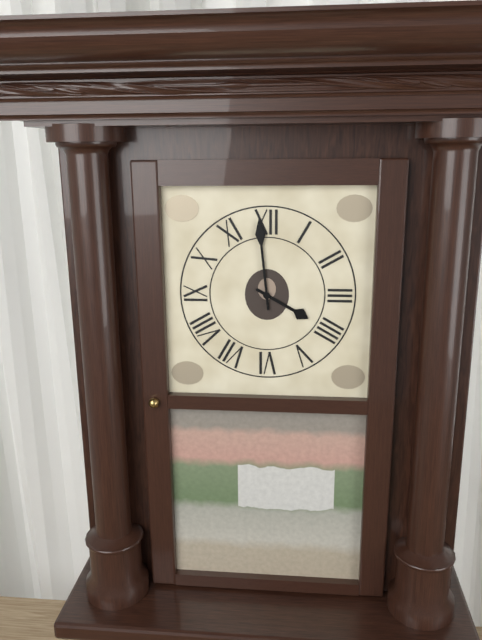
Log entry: 3,59
